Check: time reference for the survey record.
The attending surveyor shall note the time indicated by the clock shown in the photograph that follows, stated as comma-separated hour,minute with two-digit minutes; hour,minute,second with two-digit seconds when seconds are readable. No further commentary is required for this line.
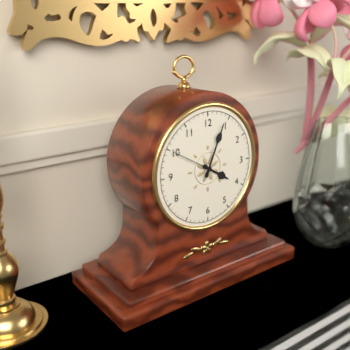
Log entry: 4,04,50
